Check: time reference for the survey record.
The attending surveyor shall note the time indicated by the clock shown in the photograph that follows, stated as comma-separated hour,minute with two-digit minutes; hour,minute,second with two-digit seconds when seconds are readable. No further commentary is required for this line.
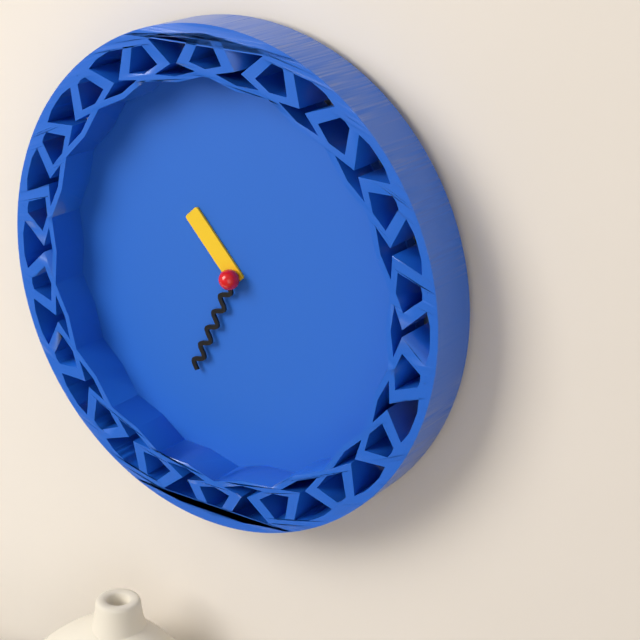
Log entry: 10,34
